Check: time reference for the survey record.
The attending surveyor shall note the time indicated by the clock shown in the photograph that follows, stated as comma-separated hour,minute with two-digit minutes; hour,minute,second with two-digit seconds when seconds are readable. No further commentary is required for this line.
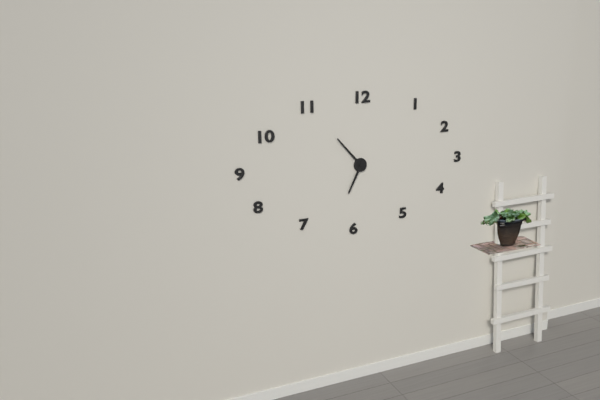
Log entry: 6,53
